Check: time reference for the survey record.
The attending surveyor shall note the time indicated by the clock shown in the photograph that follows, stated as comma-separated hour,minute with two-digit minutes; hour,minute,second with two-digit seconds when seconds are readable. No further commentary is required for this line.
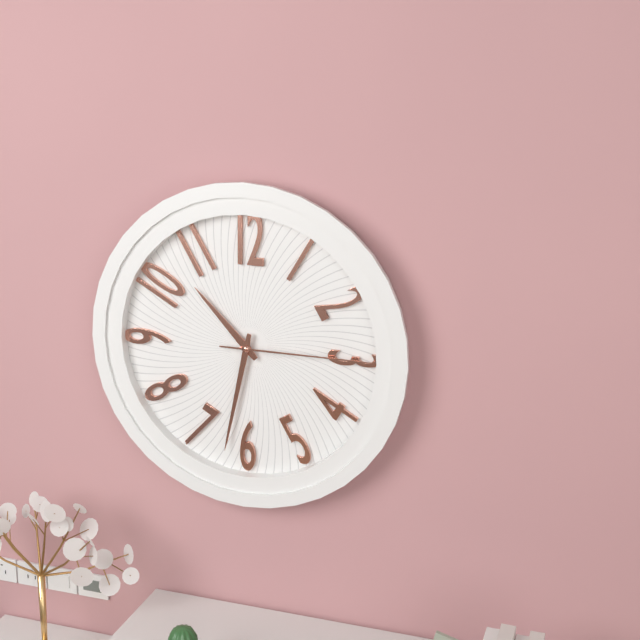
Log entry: 10,32,15
